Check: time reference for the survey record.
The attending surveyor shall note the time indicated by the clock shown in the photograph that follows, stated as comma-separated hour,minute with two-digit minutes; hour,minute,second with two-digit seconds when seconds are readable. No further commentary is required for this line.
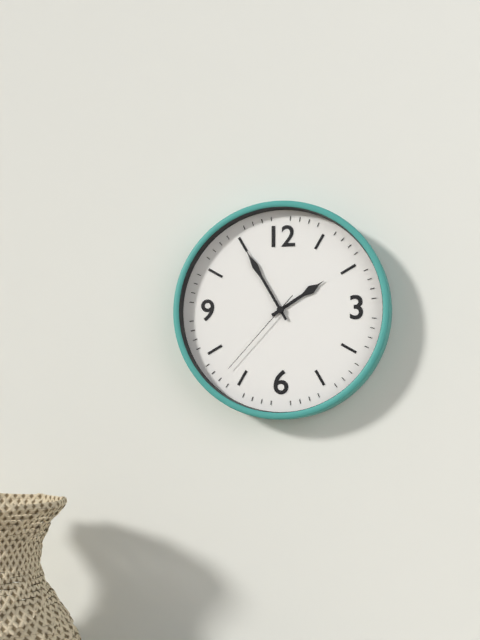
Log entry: 1,55,37
